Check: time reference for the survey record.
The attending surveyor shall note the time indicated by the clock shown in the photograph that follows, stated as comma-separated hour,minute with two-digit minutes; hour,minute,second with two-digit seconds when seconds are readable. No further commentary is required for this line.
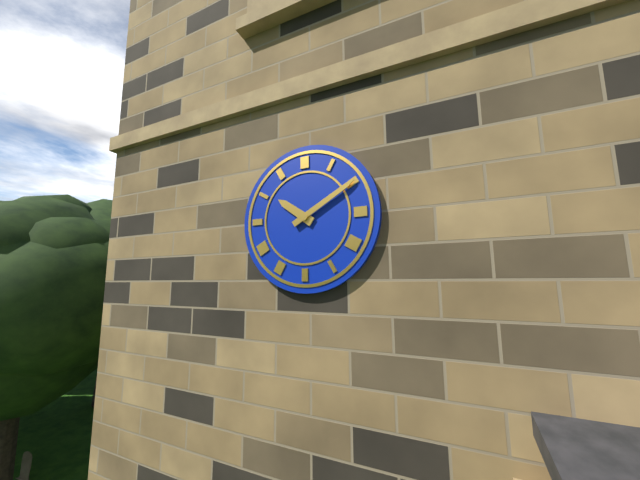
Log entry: 10,10
